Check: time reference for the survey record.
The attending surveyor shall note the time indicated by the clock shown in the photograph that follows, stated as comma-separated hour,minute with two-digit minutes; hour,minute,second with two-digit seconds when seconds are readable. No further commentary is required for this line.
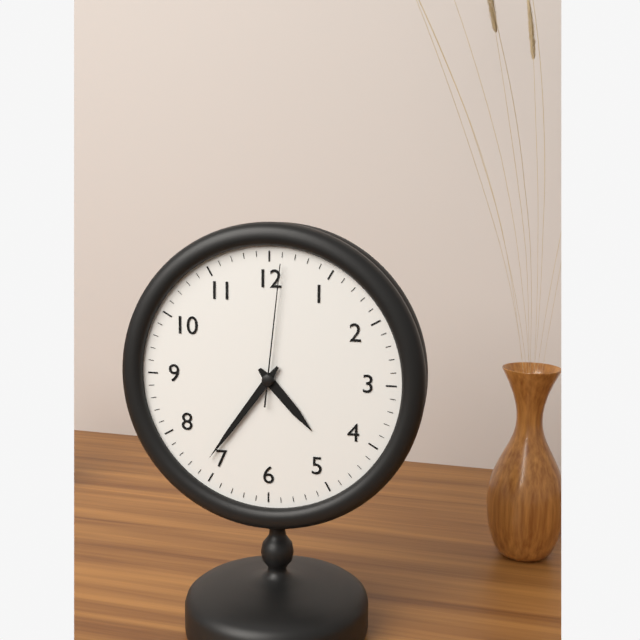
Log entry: 4,36,01
